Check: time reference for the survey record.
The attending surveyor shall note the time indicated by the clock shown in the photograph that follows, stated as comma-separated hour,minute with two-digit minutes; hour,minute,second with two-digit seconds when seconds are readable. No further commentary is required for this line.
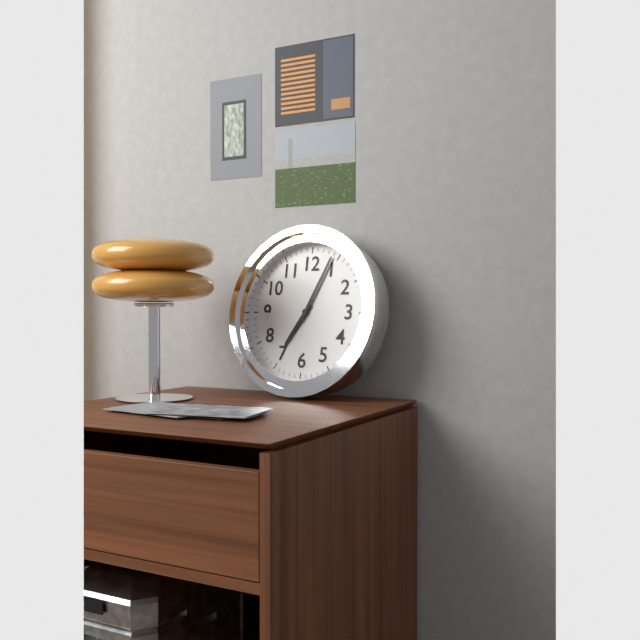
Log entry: 7,04
